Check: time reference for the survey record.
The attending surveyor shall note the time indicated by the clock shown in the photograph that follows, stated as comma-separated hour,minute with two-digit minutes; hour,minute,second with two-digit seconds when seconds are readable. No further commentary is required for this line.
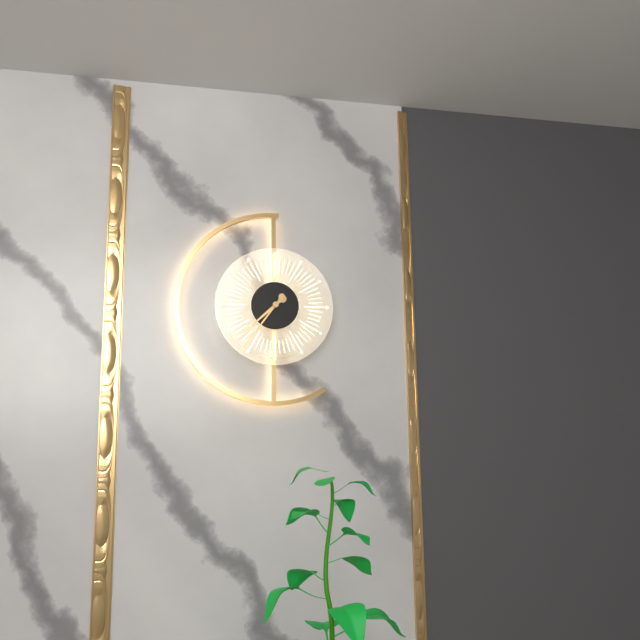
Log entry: 7,36
